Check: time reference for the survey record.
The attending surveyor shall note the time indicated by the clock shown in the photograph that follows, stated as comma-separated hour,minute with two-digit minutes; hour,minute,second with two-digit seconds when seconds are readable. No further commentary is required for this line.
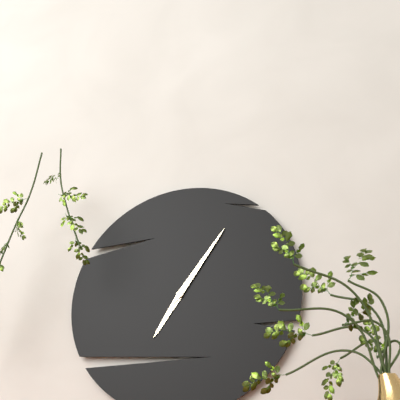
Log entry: 7,06
